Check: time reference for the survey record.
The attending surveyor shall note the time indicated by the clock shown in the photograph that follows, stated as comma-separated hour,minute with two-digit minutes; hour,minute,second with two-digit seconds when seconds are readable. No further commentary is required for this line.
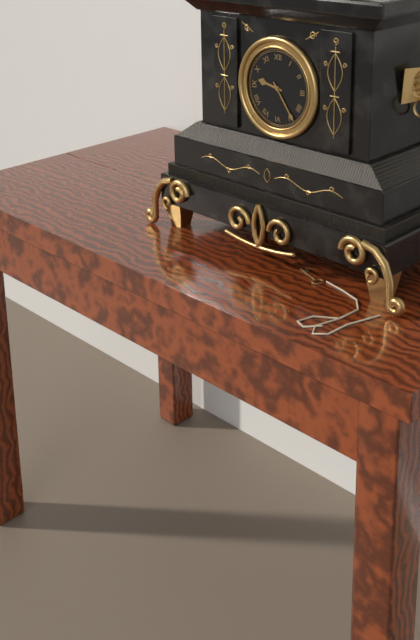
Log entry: 9,24
